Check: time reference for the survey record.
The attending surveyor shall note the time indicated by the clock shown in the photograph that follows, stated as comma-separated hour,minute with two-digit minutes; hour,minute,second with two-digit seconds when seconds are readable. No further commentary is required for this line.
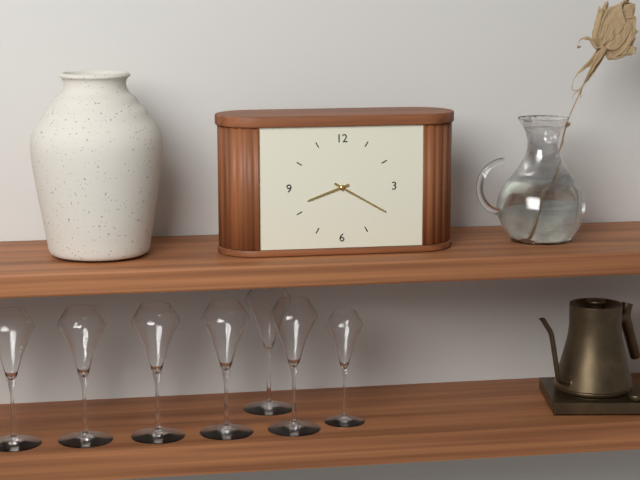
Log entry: 8,20
